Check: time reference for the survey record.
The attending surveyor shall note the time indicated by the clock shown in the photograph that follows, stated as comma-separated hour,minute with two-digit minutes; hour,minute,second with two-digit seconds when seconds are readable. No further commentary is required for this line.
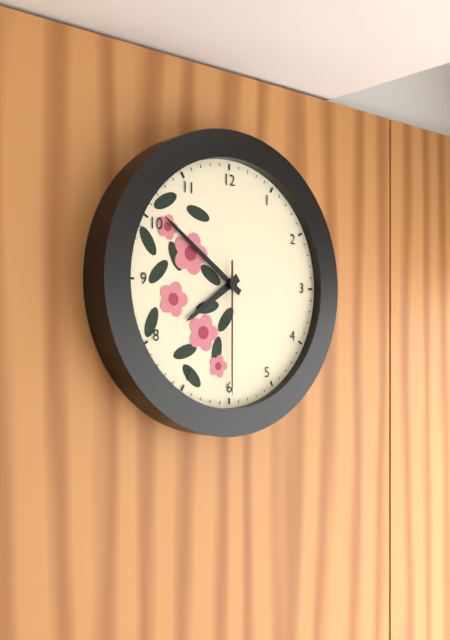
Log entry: 7,51,30
